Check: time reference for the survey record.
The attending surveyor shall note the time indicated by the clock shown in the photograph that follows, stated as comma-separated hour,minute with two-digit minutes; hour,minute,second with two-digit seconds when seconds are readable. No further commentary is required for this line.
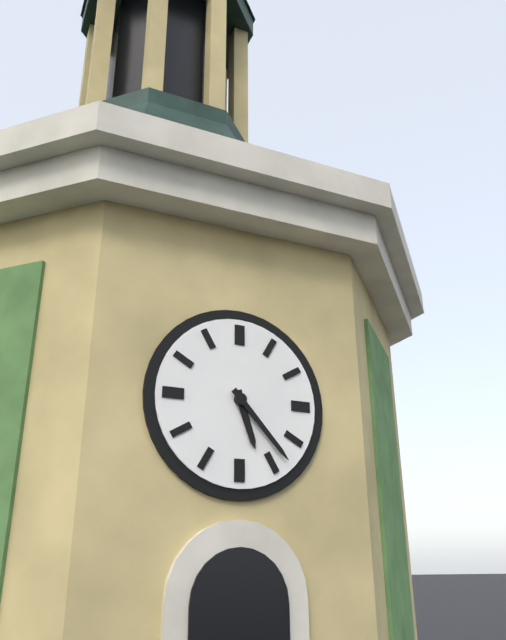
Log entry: 5,23
